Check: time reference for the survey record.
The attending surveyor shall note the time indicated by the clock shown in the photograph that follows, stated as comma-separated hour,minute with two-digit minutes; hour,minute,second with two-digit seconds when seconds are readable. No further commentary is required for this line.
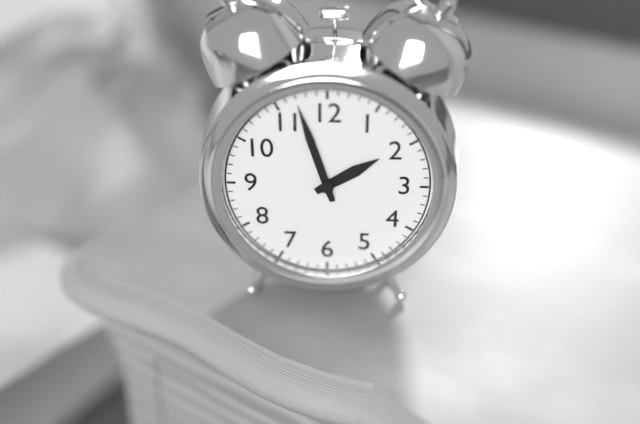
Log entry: 1,57
